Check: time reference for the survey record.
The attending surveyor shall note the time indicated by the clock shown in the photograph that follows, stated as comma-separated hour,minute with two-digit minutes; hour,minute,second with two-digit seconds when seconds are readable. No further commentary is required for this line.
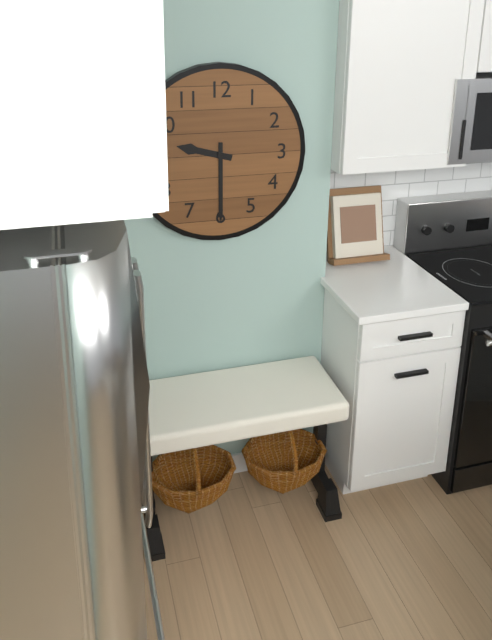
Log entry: 9,30
